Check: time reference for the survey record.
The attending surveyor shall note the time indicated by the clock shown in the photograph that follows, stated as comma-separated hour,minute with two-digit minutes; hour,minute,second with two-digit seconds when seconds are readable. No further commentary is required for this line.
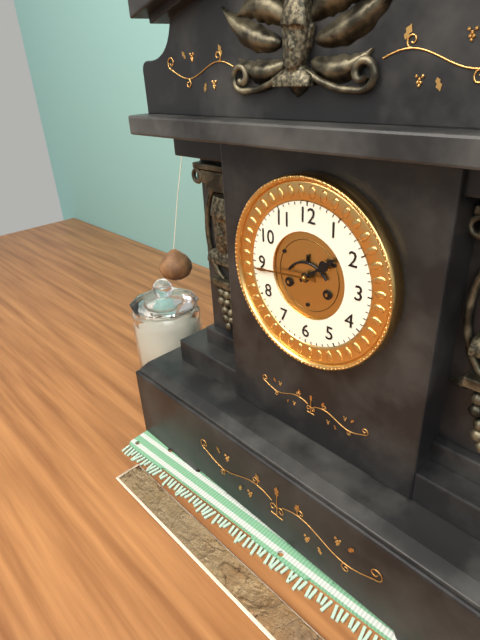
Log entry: 1,44
